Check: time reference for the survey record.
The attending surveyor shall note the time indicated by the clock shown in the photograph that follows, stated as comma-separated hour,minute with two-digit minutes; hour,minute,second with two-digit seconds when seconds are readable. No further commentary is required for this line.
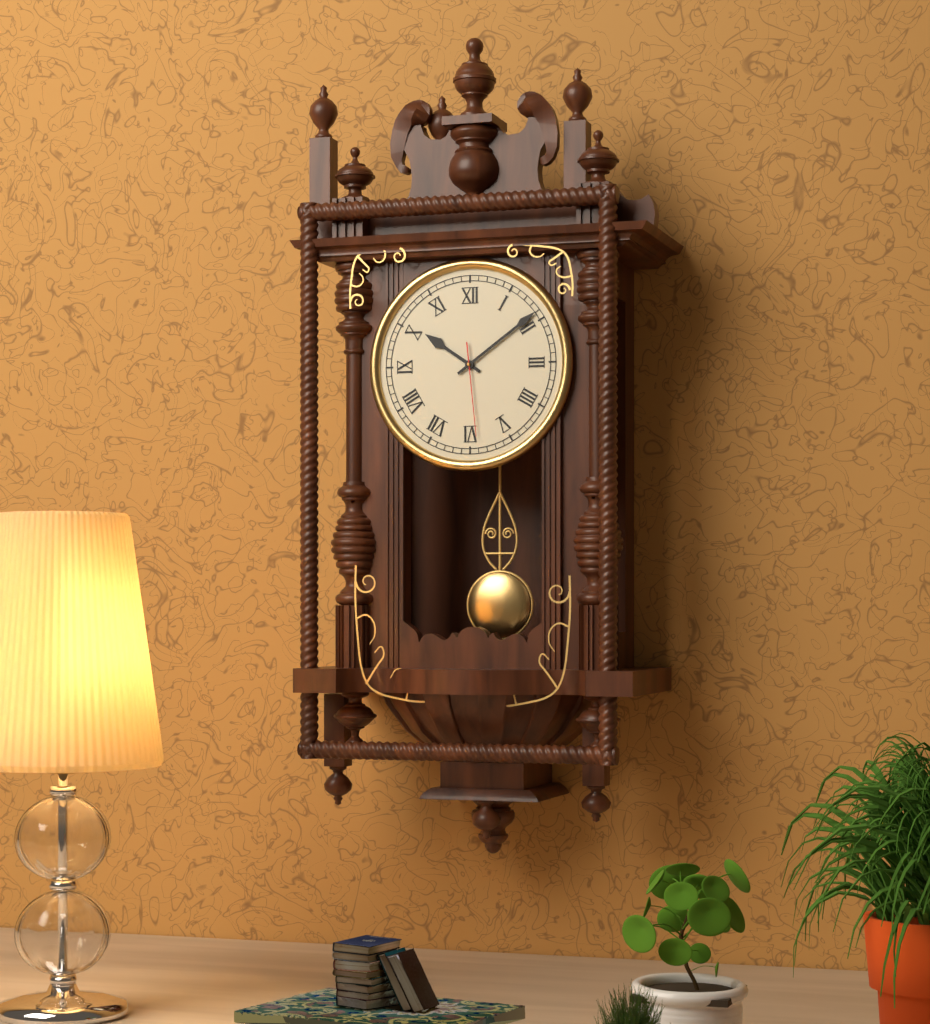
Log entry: 10,09,29
